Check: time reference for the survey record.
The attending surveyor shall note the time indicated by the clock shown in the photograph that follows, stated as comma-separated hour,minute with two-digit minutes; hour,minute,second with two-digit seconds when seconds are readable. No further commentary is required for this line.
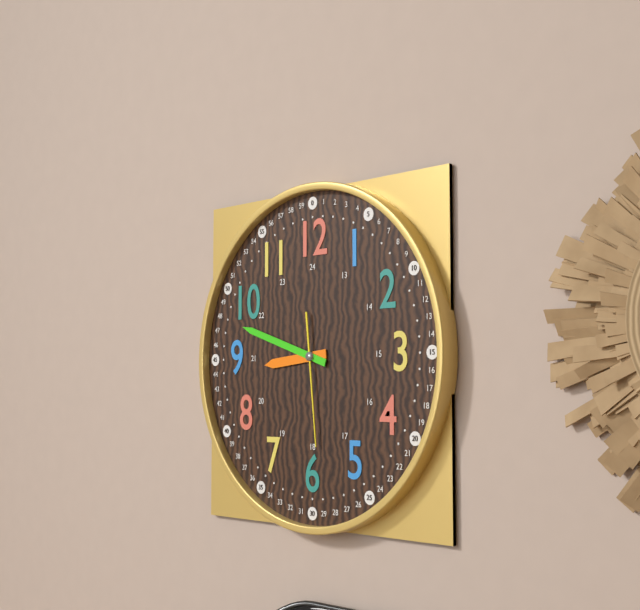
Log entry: 8,48,29
